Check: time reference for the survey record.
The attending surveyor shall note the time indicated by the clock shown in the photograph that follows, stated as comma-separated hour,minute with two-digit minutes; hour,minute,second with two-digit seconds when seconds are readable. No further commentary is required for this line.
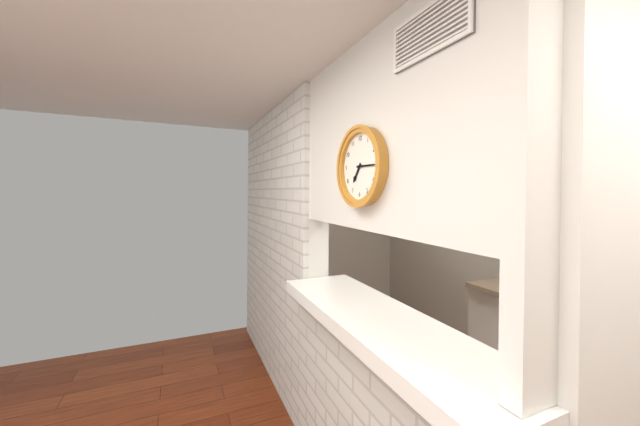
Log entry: 7,15
